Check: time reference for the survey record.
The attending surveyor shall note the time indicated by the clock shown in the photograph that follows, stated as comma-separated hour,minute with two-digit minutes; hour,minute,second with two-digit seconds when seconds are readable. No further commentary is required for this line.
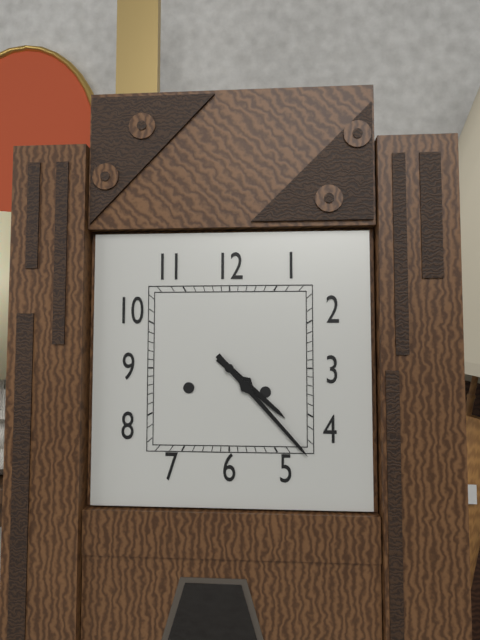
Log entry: 4,23
